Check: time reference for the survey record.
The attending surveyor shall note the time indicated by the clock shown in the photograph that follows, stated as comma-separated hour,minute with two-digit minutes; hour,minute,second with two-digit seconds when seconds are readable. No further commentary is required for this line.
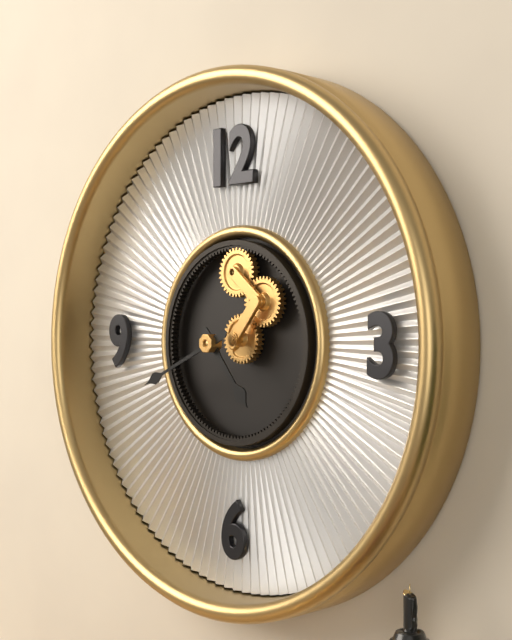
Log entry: 4,41
